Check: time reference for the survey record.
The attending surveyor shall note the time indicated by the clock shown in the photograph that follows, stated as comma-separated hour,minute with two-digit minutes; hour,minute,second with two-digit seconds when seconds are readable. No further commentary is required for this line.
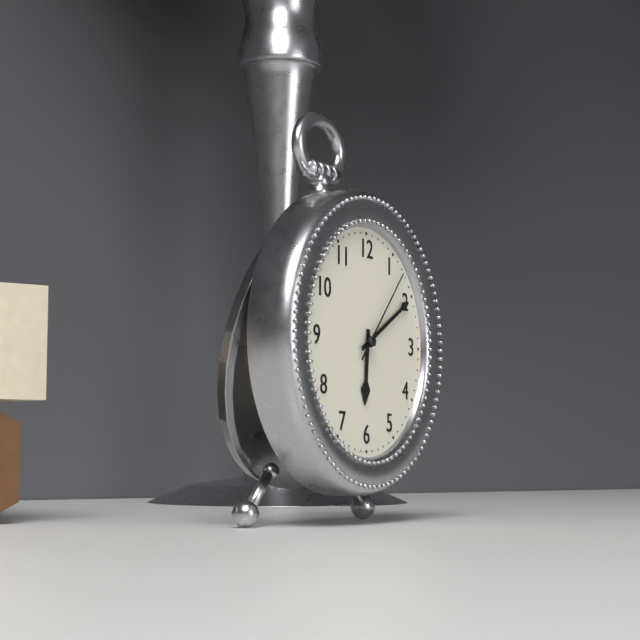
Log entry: 6,10,07
